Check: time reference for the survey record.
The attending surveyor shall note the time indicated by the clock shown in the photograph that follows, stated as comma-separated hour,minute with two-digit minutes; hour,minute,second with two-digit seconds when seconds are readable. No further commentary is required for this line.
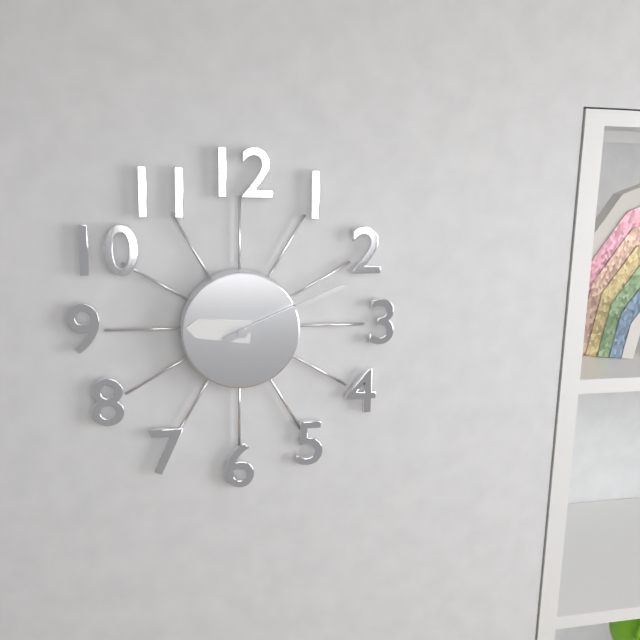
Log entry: 9,11
